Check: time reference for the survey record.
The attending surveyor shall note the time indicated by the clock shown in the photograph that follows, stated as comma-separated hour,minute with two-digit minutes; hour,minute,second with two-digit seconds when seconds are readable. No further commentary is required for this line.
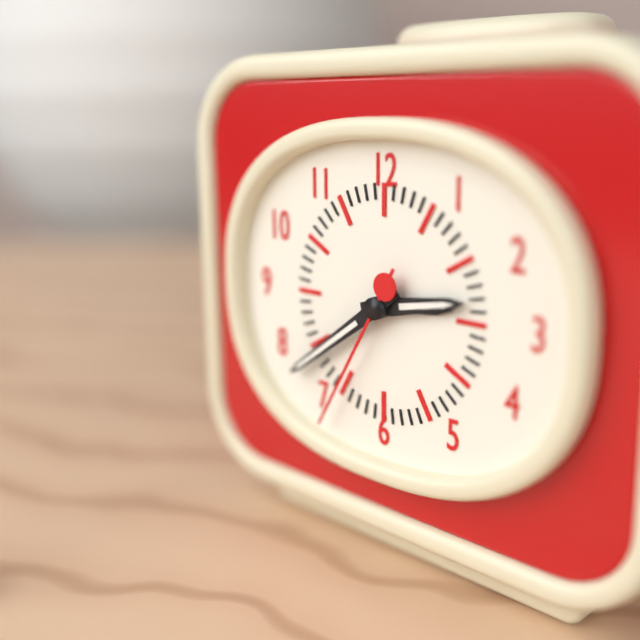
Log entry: 2,39,35
